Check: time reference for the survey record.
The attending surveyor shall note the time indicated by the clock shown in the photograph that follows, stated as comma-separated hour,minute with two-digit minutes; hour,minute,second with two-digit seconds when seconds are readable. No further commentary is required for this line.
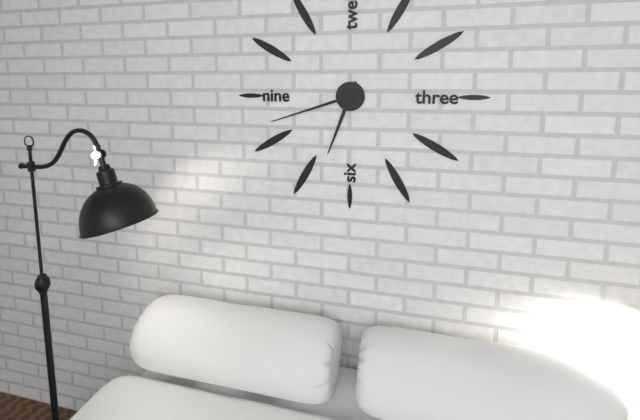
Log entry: 6,42
